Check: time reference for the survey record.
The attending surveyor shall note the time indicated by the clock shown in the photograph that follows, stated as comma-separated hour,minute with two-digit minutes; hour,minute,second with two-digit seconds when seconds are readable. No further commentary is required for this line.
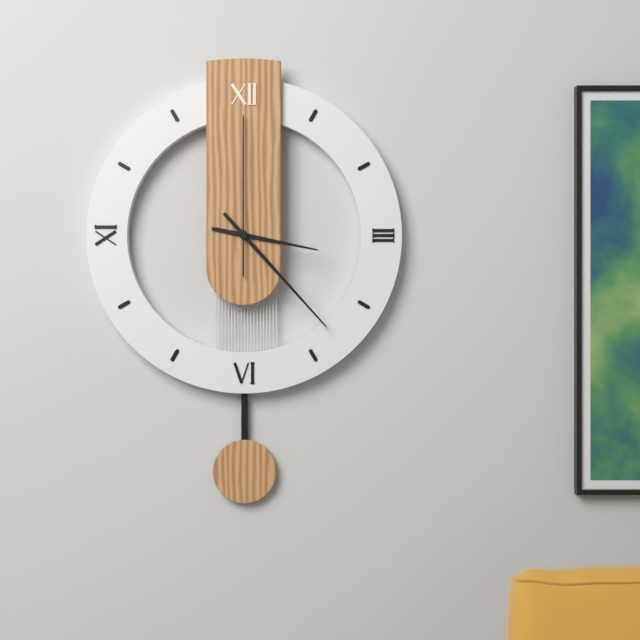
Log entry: 3,23,00
